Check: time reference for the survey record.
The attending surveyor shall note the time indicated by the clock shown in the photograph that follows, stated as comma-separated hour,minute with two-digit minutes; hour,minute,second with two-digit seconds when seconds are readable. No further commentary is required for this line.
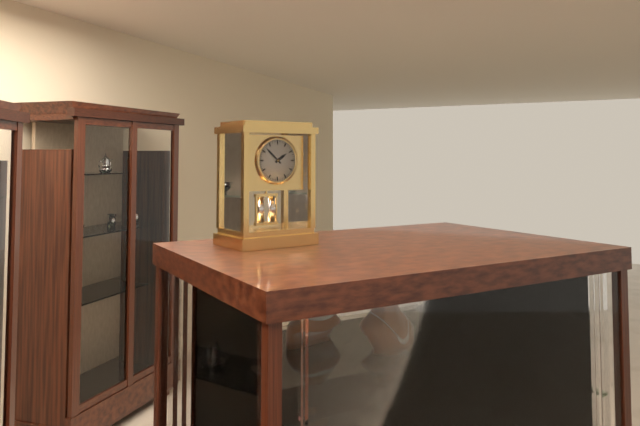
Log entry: 1,52
